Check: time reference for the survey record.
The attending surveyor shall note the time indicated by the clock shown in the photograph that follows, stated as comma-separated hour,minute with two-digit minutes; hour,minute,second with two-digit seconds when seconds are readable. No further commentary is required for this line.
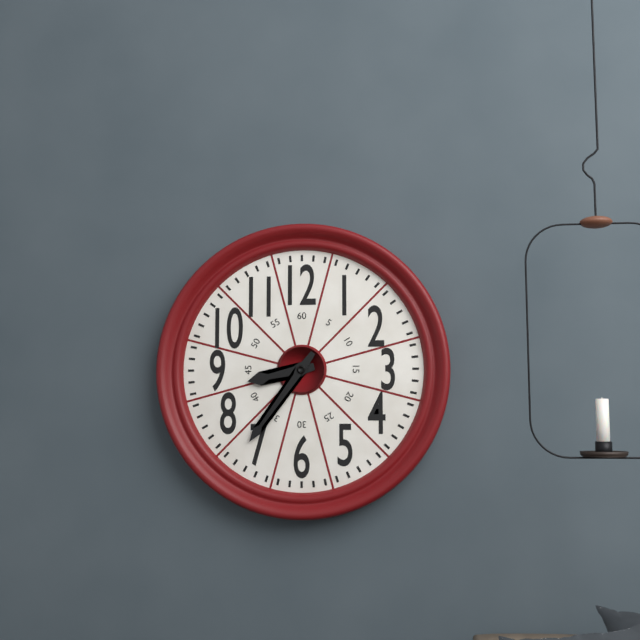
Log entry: 8,36
